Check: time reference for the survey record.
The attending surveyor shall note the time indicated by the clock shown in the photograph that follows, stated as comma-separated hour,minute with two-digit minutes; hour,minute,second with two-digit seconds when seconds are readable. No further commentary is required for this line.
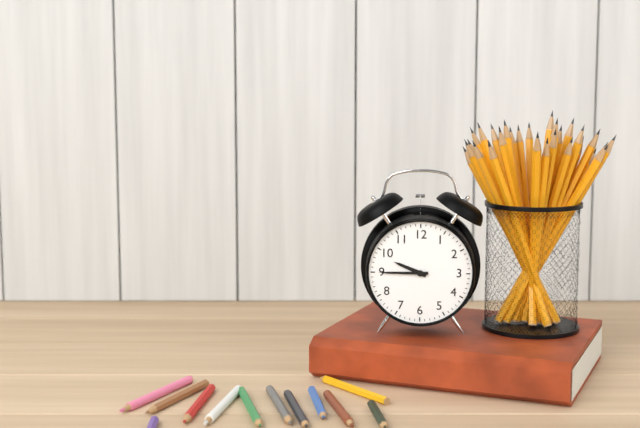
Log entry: 9,45
